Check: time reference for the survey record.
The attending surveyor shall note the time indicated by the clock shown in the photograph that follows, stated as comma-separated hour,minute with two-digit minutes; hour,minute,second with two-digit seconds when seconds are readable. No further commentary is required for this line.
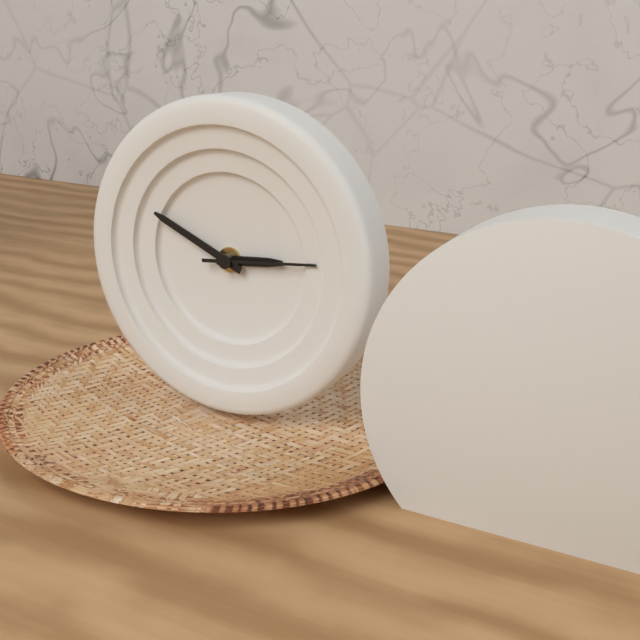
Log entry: 2,49,14
